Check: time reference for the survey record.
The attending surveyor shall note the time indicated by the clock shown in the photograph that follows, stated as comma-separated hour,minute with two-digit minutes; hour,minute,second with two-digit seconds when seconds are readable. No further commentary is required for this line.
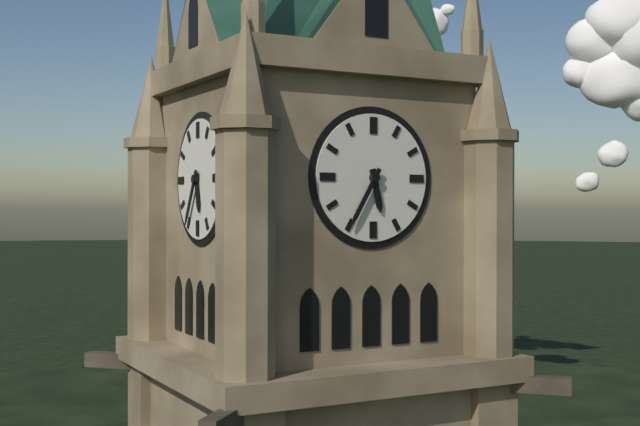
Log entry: 5,35
